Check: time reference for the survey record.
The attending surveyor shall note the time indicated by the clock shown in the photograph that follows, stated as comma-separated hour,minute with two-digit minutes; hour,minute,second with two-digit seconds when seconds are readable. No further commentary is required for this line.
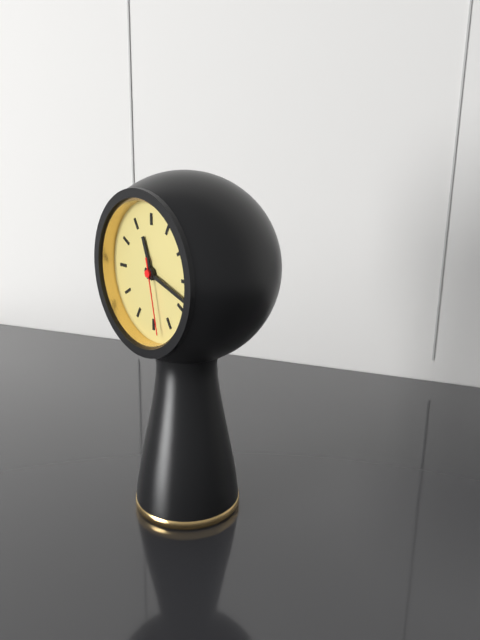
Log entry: 11,18,28
